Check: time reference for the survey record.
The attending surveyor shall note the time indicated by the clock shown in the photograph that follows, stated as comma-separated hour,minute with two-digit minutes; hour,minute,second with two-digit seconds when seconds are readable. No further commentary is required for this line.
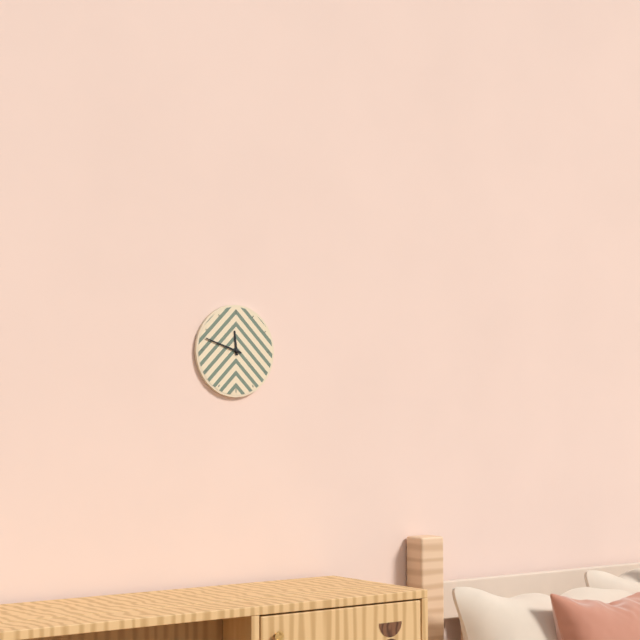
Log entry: 11,48
